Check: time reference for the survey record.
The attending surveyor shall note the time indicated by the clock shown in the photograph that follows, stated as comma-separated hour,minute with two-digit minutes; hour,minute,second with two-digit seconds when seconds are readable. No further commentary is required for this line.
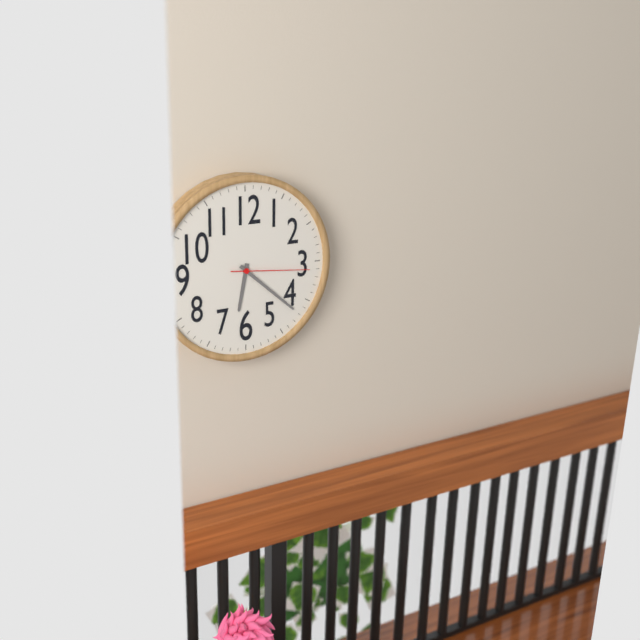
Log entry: 6,22,16
